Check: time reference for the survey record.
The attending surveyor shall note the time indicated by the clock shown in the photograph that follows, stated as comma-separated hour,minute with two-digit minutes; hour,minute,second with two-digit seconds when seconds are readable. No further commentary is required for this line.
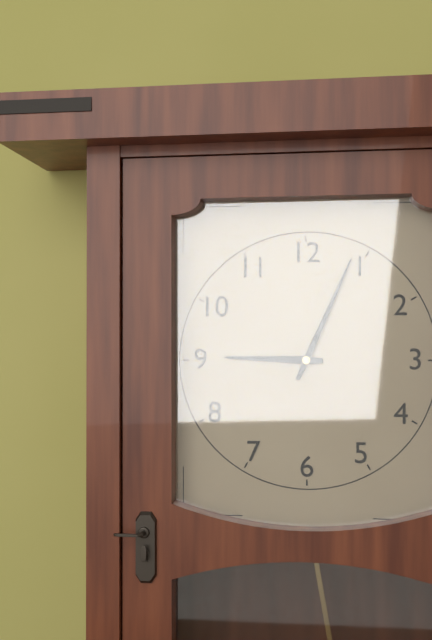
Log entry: 9,04
